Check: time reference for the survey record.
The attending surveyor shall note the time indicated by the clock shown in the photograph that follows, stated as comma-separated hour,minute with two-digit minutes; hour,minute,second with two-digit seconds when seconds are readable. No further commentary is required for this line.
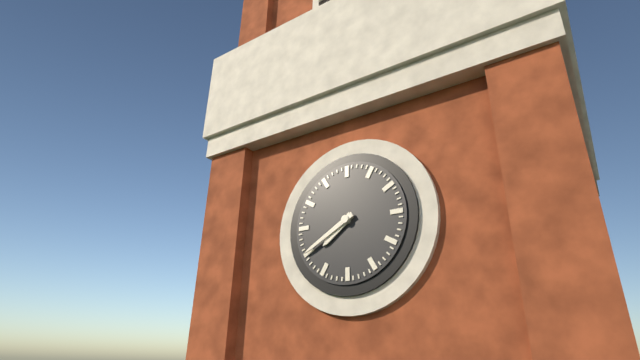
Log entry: 7,40
